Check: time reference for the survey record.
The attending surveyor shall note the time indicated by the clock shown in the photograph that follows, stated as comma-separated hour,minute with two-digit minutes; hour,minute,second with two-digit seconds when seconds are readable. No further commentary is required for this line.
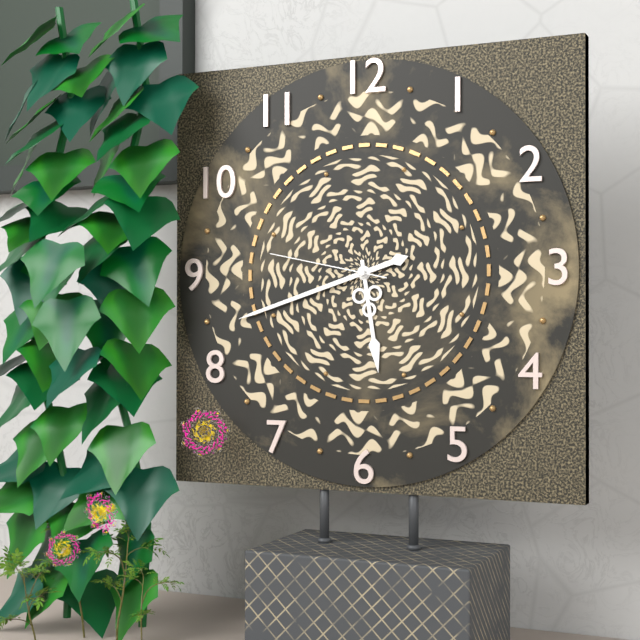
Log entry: 5,42,47
